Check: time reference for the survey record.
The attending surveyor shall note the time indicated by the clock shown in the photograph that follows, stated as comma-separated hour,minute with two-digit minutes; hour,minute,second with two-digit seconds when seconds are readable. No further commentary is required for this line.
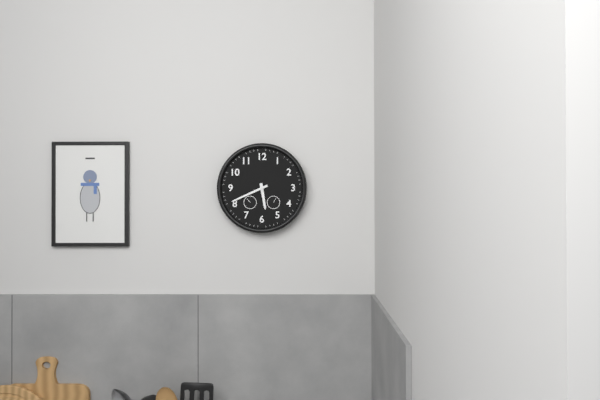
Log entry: 5,41
